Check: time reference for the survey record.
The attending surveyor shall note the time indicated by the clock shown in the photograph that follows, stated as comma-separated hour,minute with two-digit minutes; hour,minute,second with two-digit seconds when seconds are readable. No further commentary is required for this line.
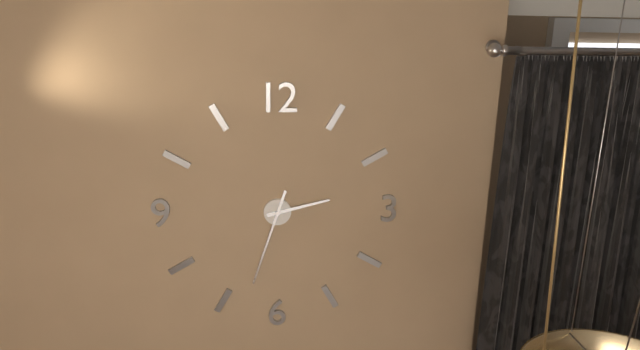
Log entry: 2,33
